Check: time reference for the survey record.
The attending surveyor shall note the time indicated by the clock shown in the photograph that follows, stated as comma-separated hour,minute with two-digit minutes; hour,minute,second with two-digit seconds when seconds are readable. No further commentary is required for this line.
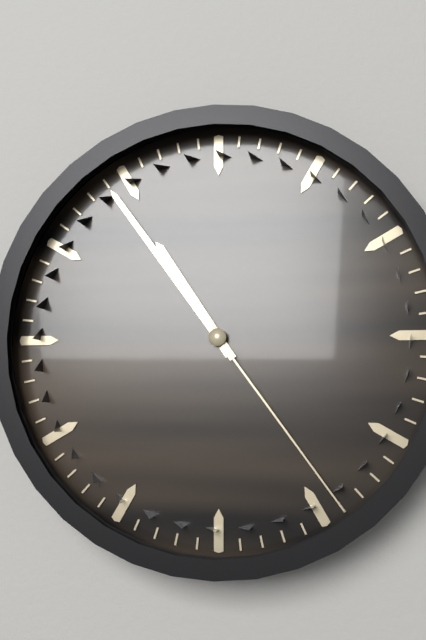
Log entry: 10,54,24
